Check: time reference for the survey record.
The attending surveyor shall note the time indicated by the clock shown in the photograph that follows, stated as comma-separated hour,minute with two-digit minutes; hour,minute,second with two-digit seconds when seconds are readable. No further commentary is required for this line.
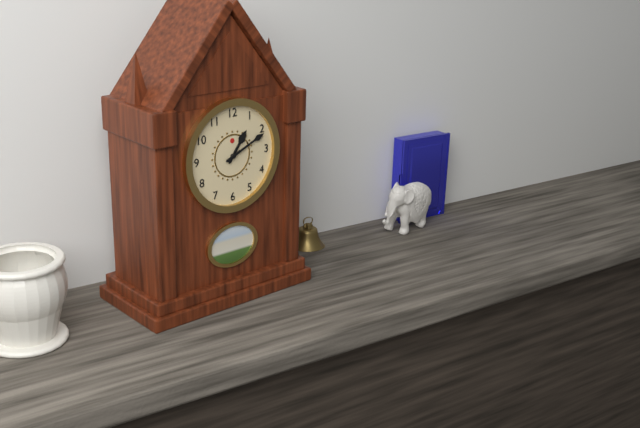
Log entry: 1,11
